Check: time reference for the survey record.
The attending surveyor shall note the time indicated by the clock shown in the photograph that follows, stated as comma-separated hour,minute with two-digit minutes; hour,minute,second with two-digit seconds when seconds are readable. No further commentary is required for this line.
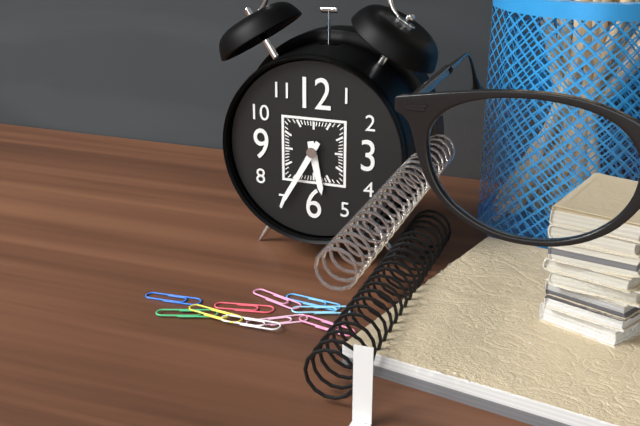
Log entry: 5,35
